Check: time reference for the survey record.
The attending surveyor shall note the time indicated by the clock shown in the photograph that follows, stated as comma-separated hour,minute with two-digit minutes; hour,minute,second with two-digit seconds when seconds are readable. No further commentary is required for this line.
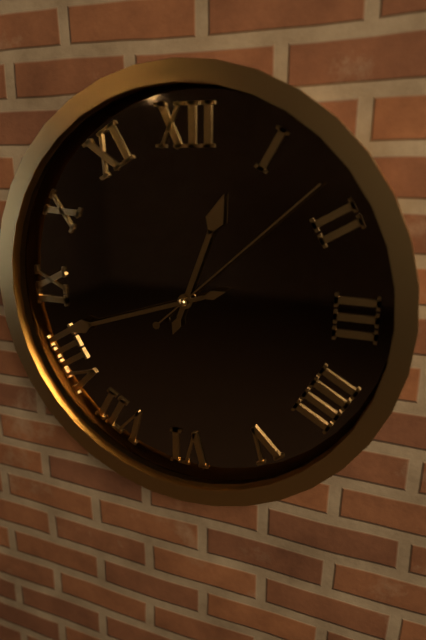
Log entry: 12,42,08
